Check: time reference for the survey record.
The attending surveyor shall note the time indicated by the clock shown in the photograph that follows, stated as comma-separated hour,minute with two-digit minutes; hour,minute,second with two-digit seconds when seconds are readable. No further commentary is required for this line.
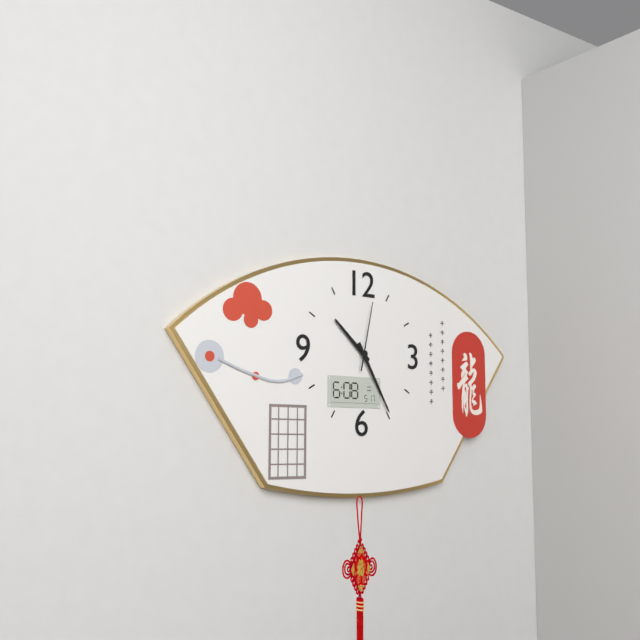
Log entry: 10,25,02
